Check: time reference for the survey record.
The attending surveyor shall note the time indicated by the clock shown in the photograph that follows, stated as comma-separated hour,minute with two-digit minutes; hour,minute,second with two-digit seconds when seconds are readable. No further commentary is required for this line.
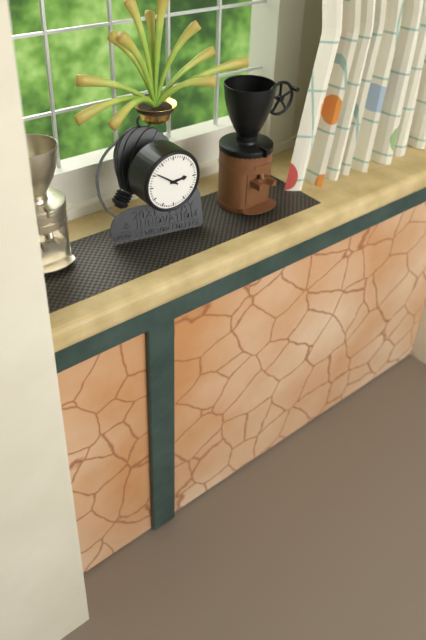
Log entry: 2,51
